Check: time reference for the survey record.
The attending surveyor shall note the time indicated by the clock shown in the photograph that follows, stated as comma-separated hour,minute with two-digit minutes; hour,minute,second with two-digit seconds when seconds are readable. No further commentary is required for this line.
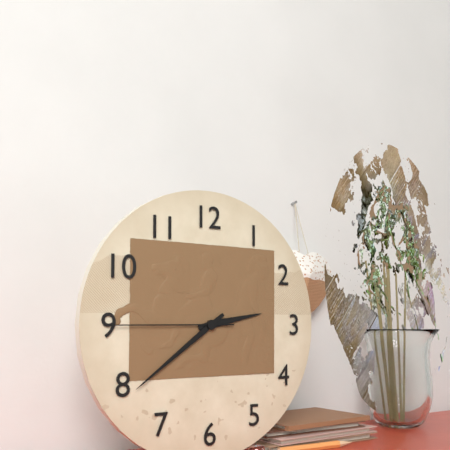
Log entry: 2,39,45
